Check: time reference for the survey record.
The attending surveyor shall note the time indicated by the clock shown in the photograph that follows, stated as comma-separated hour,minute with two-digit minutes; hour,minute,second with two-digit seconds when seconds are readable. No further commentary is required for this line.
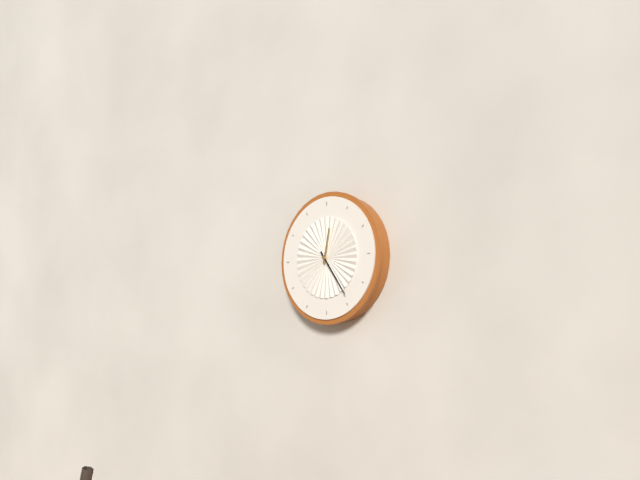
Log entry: 12,24
